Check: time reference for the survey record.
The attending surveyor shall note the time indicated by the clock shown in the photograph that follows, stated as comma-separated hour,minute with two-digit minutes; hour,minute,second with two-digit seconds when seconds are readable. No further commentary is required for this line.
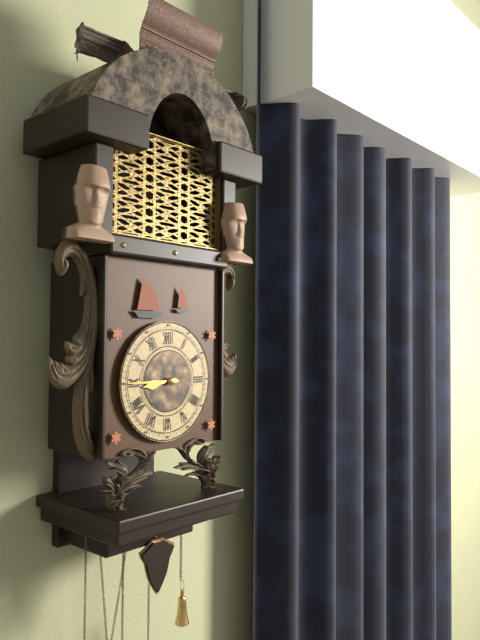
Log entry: 8,45
